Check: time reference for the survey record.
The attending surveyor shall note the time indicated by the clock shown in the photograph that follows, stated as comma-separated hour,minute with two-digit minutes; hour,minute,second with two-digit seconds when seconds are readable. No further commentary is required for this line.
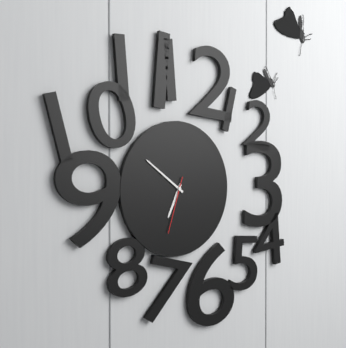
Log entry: 6,51,33
